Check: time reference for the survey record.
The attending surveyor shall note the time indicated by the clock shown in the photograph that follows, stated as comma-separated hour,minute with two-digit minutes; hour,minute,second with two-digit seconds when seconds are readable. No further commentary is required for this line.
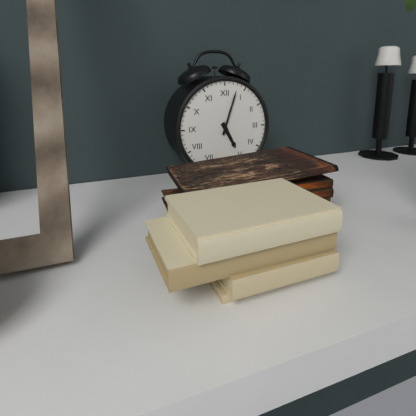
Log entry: 5,03
